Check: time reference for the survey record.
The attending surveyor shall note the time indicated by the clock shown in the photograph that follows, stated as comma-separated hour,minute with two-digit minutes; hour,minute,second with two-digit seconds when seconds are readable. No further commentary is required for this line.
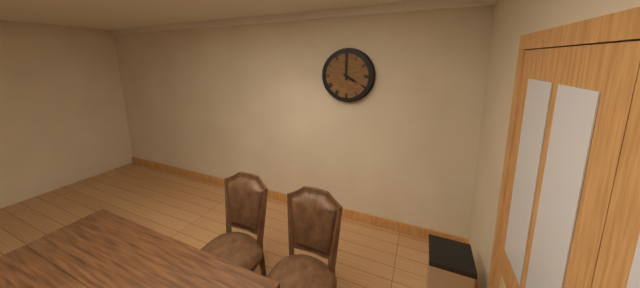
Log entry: 4,00
